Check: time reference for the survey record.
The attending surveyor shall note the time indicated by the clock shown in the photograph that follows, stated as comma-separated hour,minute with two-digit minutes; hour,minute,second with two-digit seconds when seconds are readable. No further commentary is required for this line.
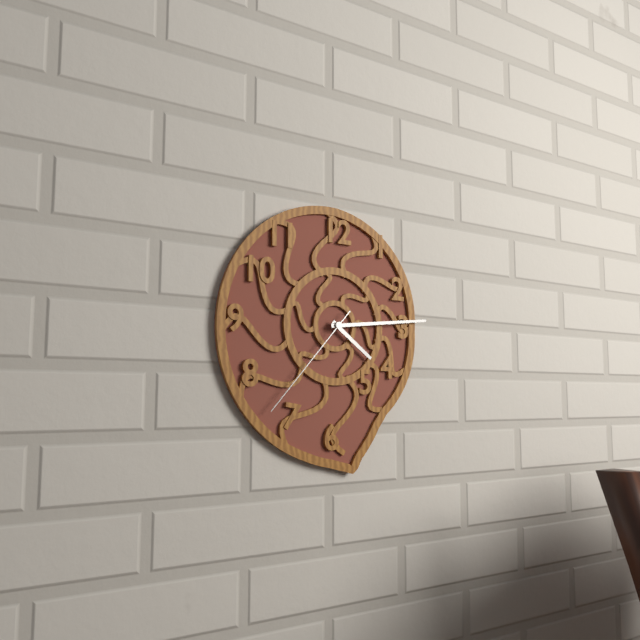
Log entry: 4,14,37
